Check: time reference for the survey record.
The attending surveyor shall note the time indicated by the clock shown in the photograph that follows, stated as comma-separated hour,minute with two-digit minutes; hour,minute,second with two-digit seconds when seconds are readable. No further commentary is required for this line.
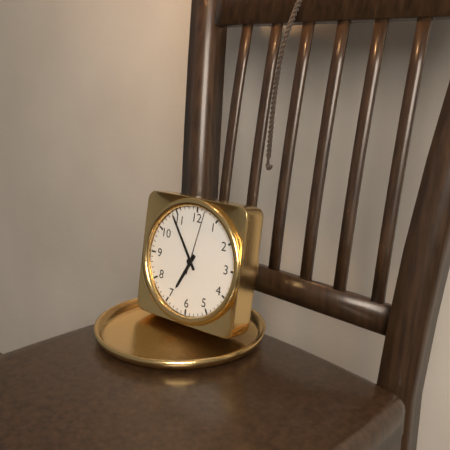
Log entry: 6,54,02
